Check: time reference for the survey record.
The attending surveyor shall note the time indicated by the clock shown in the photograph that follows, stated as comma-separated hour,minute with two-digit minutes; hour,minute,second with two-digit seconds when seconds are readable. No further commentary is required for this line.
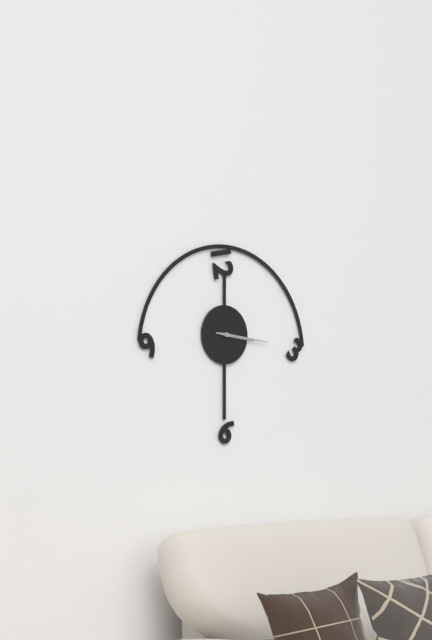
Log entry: 3,16
